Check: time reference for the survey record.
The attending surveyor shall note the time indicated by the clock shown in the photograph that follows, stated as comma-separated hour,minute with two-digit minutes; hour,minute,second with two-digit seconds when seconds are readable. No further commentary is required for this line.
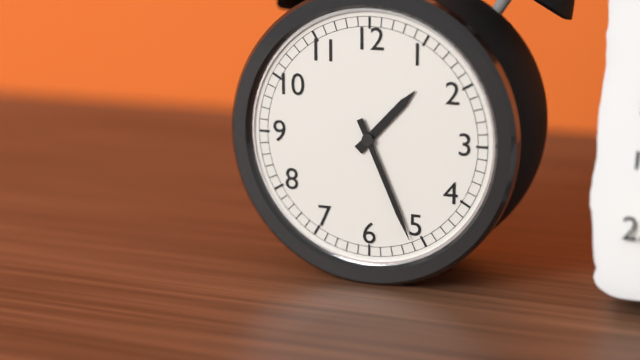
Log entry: 1,26
